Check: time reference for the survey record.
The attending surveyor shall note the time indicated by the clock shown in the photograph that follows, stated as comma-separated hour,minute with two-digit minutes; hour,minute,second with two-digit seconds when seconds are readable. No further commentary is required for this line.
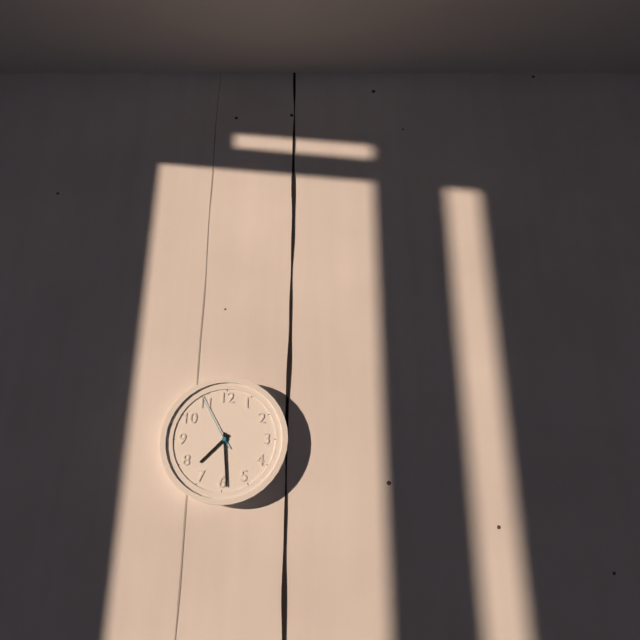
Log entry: 7,29,55
